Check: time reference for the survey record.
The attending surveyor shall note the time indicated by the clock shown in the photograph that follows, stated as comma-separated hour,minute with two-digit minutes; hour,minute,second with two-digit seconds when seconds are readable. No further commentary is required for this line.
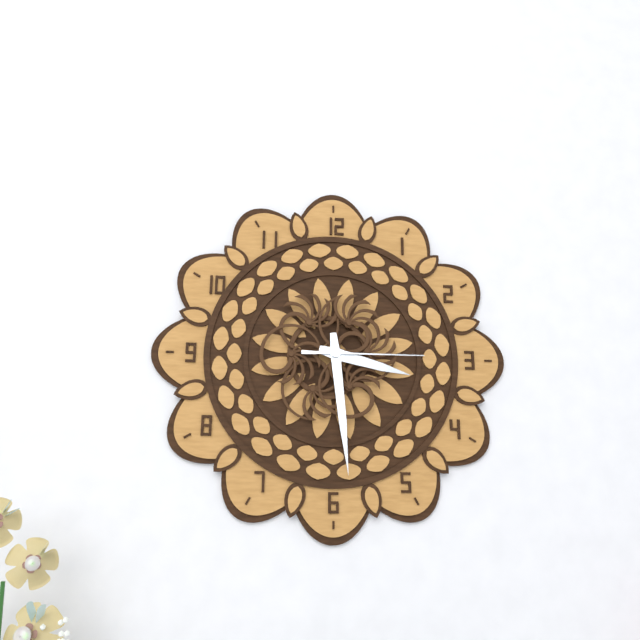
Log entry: 3,29,15
